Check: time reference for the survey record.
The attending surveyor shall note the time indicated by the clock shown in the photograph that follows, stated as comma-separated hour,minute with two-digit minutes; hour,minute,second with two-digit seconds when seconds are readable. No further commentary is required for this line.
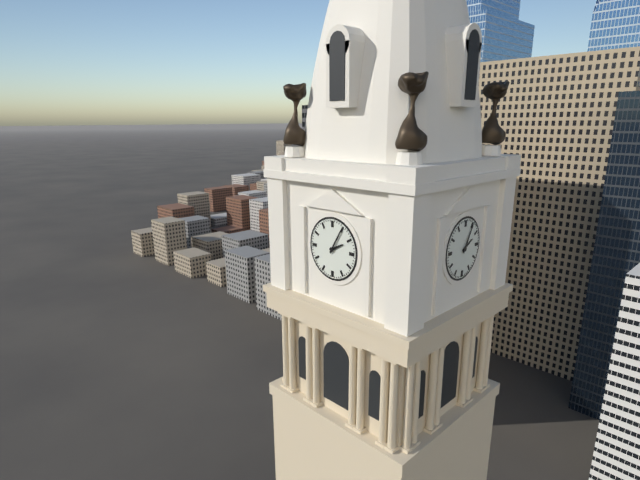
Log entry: 2,05
